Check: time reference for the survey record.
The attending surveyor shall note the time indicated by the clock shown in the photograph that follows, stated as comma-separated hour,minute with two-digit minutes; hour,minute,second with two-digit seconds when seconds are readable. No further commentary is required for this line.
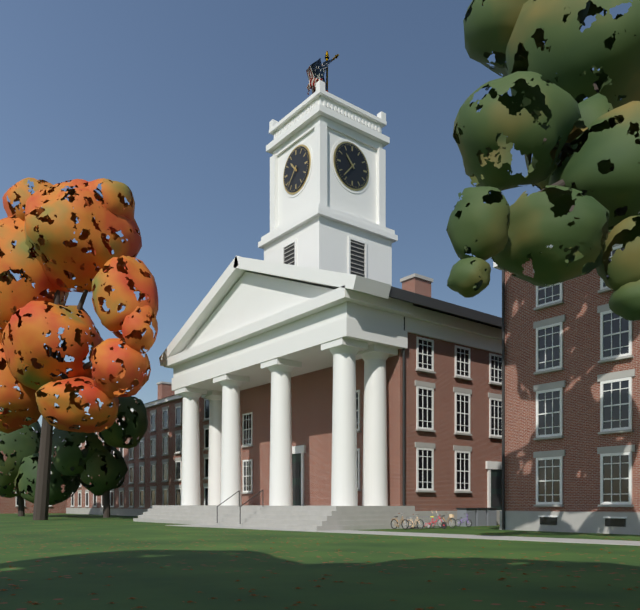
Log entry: 10,37
